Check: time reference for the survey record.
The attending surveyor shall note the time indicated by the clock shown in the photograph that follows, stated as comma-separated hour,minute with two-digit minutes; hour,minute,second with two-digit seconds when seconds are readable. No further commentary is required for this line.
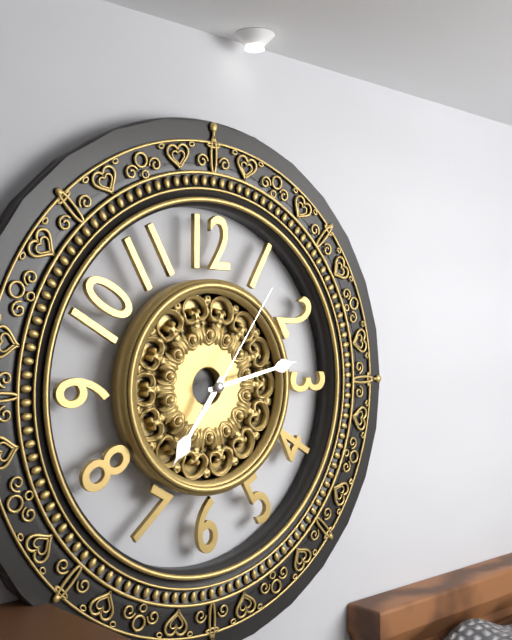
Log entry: 7,13,06
